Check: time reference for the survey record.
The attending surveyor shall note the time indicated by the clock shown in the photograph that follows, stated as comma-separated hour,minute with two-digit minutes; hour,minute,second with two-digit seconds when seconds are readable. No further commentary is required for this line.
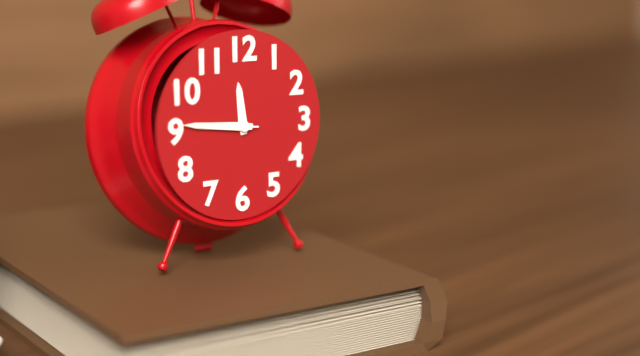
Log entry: 11,46,46
